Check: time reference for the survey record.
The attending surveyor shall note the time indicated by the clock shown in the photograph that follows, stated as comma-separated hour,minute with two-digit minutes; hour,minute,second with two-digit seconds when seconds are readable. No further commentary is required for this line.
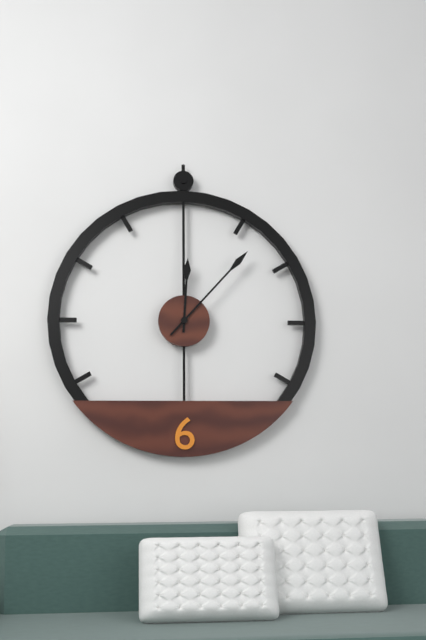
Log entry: 12,07
